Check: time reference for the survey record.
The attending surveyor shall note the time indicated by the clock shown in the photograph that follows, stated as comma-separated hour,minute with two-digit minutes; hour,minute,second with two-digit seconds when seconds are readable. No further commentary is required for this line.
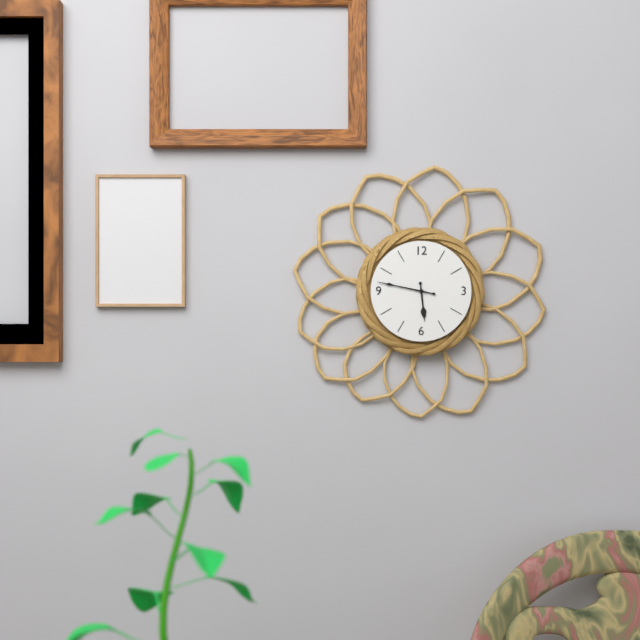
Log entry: 5,47
